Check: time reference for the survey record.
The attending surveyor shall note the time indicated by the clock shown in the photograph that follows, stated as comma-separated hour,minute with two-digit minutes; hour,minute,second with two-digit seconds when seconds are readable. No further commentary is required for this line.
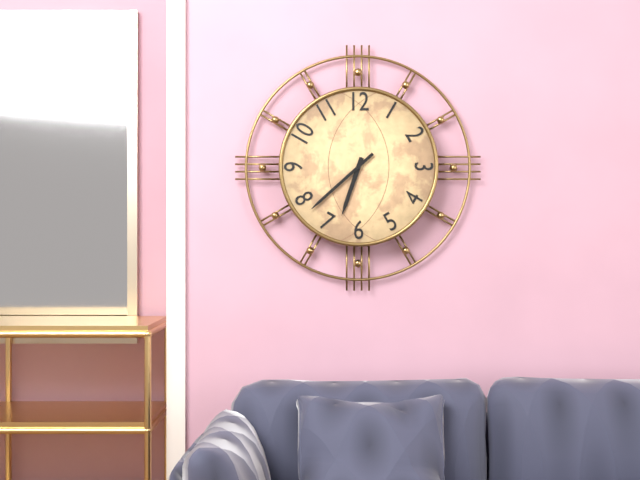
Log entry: 6,38
